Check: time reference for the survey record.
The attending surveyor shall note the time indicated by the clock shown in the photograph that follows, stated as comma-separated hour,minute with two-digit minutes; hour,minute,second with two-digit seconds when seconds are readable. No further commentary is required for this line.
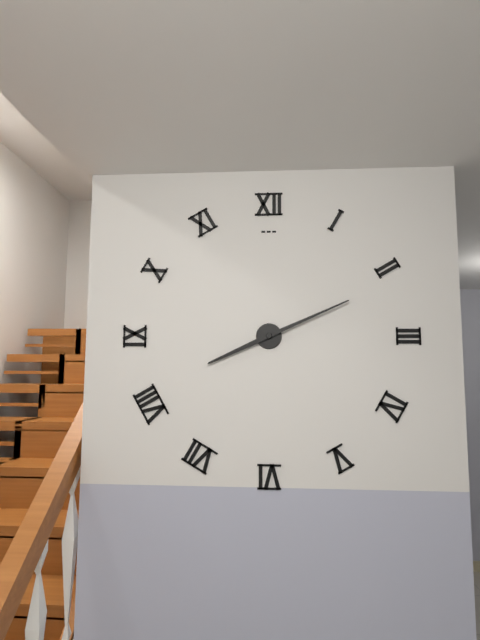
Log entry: 8,11
